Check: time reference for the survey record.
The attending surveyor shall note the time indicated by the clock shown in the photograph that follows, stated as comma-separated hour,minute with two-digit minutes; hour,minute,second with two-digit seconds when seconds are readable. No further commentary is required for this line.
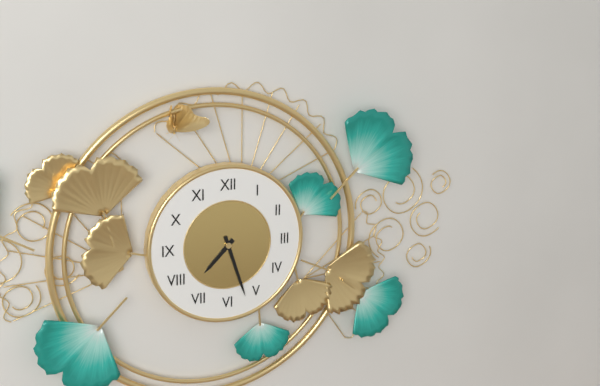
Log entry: 7,27
